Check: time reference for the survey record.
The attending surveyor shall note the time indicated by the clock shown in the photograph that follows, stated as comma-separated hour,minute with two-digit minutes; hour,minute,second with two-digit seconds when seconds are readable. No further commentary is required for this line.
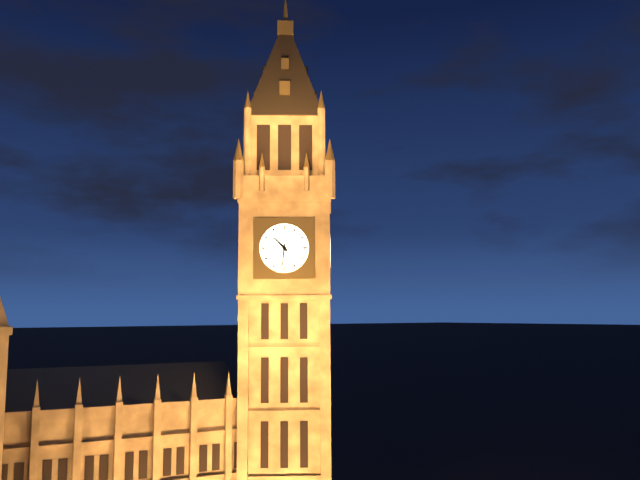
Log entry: 10,31
